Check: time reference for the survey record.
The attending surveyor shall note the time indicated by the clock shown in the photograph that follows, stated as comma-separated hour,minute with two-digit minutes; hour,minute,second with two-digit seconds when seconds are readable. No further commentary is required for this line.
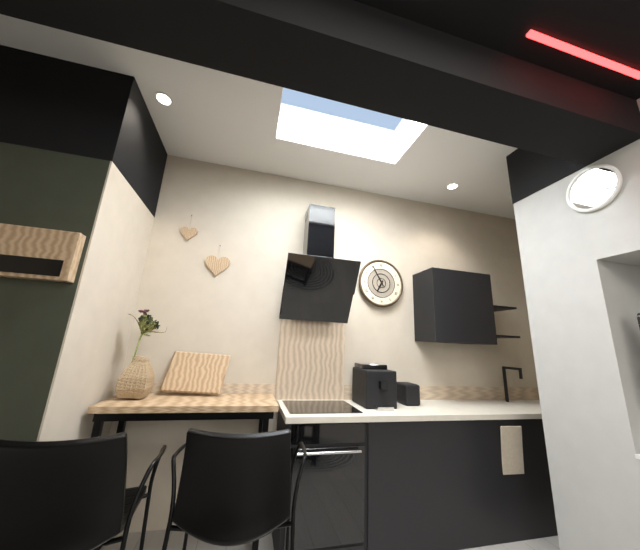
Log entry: 6,55
